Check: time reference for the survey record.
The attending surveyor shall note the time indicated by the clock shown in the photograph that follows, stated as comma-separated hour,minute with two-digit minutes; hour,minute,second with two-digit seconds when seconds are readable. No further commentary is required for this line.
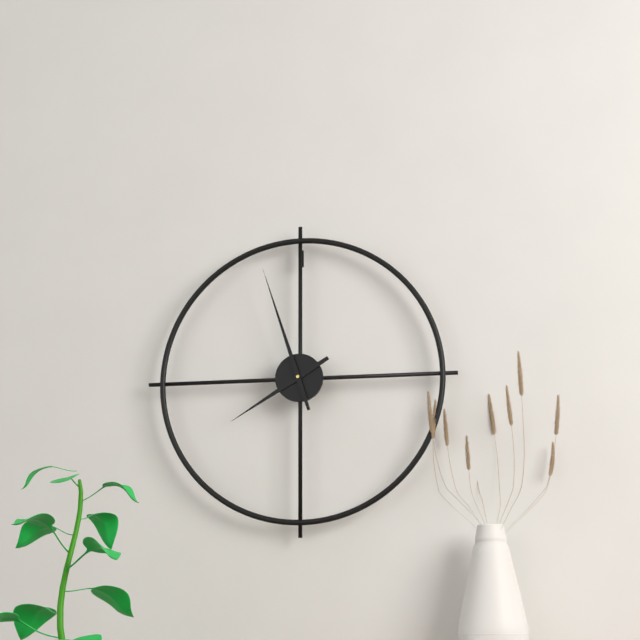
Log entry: 7,57
